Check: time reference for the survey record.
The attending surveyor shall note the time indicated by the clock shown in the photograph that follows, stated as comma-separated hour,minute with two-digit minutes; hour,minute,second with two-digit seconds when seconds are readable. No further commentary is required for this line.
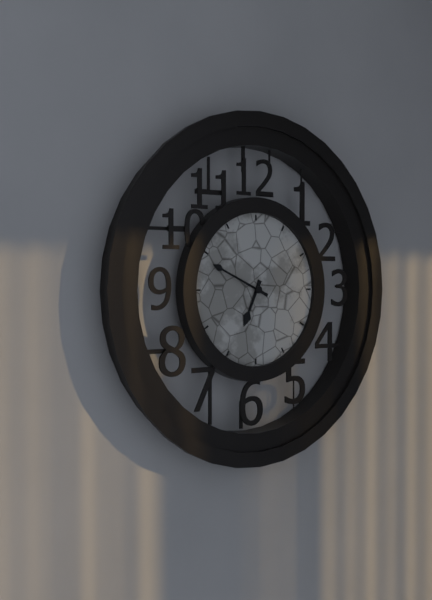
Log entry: 6,49
